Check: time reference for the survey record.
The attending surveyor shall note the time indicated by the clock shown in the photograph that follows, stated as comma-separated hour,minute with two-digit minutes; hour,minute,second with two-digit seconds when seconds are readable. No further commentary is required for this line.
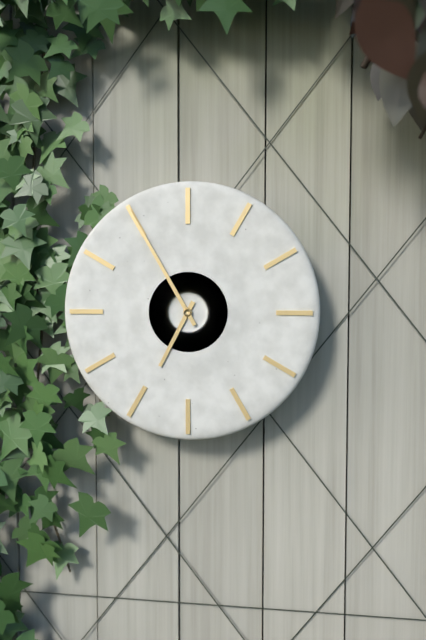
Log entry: 6,55
